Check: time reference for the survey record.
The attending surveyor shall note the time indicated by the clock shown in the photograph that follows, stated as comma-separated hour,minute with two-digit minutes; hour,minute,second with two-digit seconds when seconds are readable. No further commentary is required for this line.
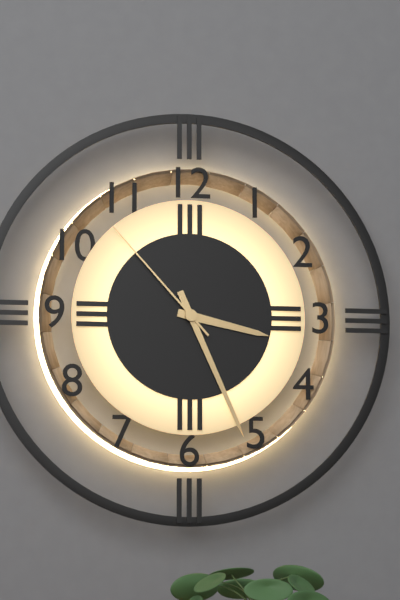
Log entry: 3,26,53
